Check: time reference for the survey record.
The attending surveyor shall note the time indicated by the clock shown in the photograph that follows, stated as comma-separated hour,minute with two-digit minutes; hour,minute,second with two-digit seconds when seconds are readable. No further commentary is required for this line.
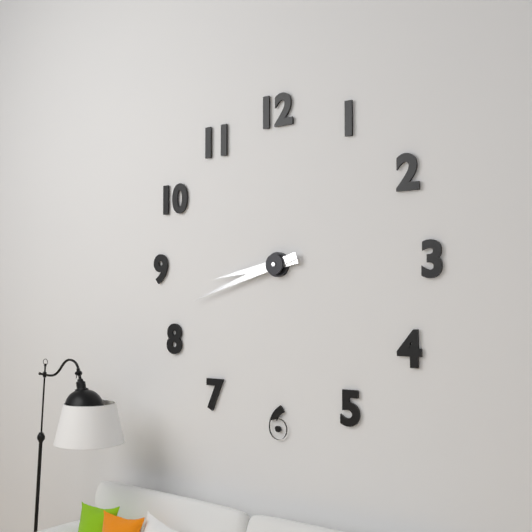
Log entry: 8,42
